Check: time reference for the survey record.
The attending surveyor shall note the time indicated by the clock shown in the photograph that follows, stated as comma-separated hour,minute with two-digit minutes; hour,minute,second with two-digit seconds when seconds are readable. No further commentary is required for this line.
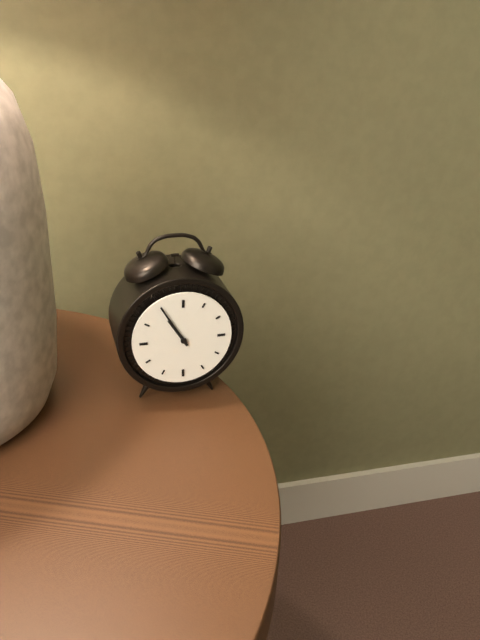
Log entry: 10,55
